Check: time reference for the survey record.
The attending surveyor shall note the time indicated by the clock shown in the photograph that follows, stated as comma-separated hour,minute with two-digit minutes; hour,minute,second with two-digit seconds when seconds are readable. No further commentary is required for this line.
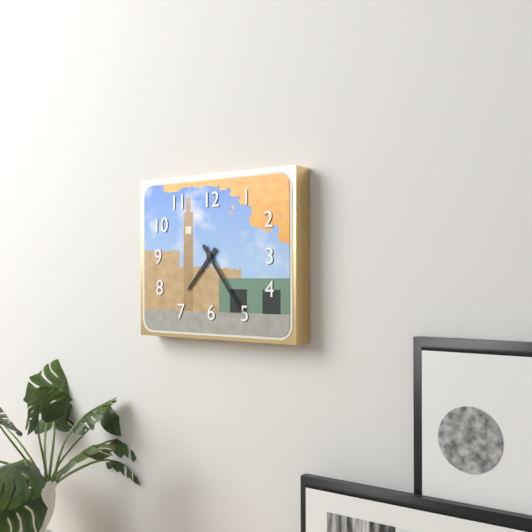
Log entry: 7,24
